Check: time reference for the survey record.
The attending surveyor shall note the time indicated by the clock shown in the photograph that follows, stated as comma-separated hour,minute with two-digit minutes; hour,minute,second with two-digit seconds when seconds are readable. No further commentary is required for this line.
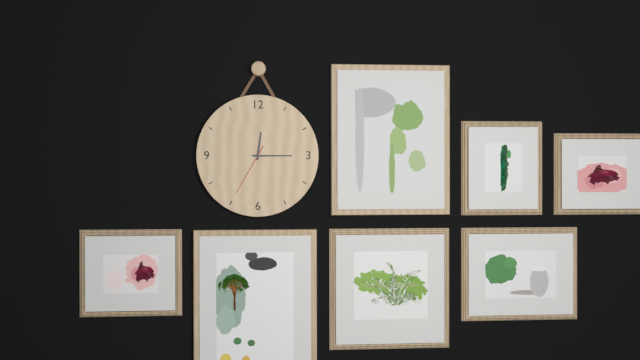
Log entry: 12,15,35
